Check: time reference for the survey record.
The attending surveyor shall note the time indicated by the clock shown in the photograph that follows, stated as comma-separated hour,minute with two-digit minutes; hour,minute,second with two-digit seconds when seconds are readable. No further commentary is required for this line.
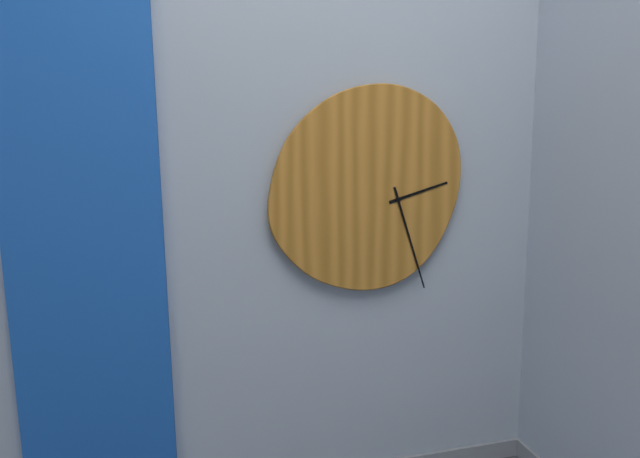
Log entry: 2,27
